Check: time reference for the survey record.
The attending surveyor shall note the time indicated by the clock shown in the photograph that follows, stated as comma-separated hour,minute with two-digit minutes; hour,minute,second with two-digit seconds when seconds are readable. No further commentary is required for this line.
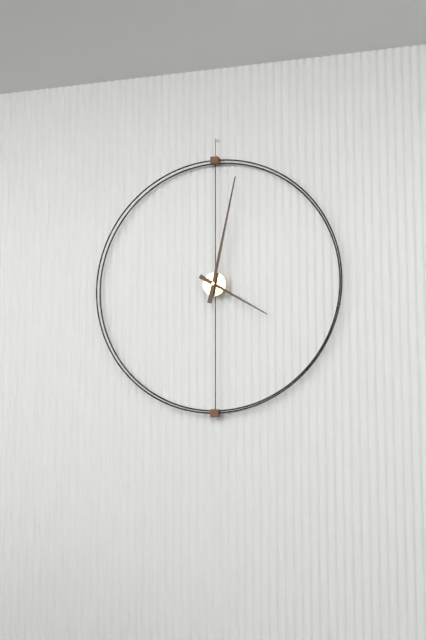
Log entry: 4,02
